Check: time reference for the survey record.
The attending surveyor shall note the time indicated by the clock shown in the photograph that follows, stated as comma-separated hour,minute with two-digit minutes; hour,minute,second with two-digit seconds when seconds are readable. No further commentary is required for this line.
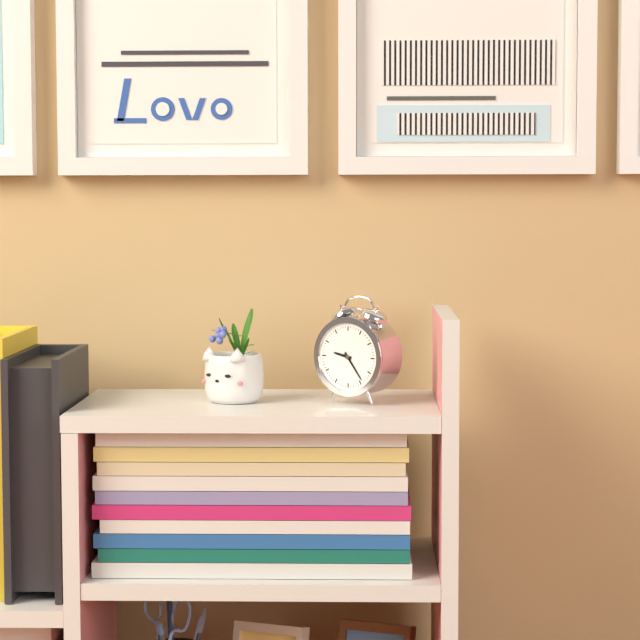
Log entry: 9,24
